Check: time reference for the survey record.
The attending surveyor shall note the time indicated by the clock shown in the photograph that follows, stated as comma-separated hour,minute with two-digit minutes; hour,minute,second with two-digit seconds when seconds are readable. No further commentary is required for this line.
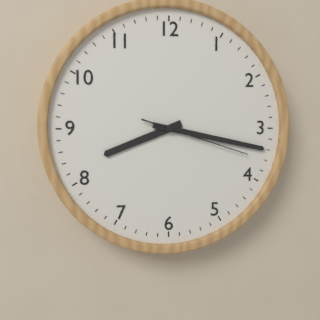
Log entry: 8,17,18
